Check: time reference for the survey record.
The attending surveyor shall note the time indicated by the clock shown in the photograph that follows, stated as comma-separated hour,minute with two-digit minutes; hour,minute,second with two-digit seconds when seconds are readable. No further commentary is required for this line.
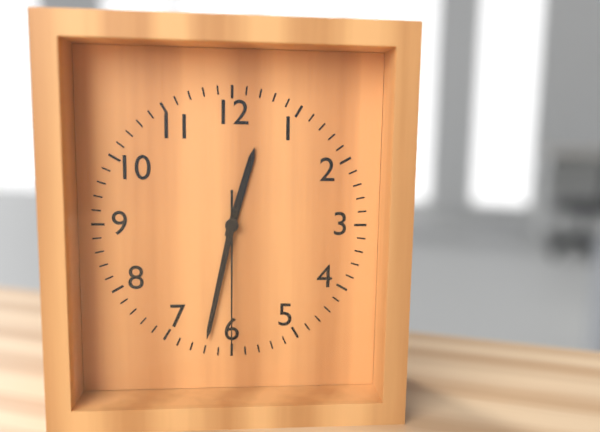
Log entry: 12,32,30
